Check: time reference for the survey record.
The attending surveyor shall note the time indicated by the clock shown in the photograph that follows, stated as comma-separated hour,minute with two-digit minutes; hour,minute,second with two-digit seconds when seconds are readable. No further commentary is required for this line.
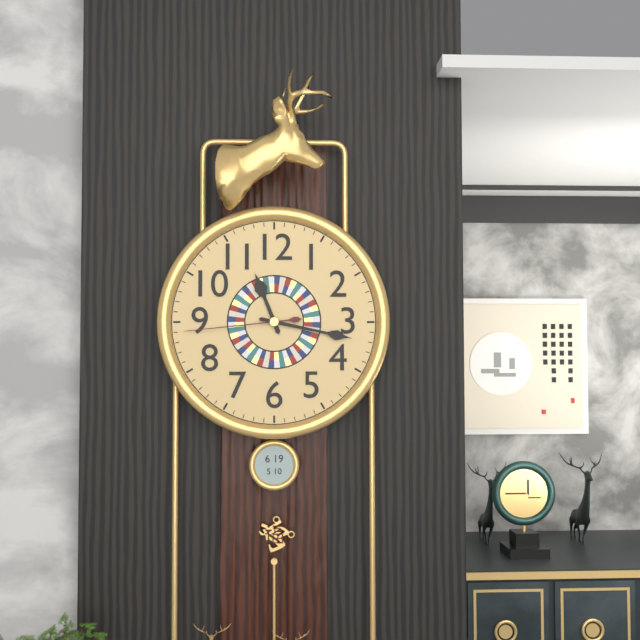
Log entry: 11,17,44
